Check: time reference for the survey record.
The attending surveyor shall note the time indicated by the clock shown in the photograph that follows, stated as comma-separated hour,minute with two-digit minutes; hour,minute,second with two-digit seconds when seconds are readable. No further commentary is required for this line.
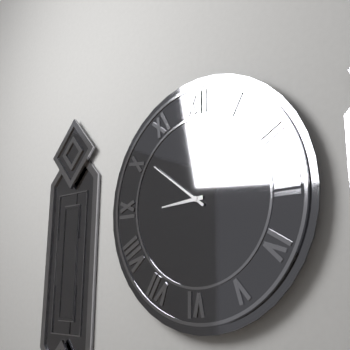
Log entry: 8,51
